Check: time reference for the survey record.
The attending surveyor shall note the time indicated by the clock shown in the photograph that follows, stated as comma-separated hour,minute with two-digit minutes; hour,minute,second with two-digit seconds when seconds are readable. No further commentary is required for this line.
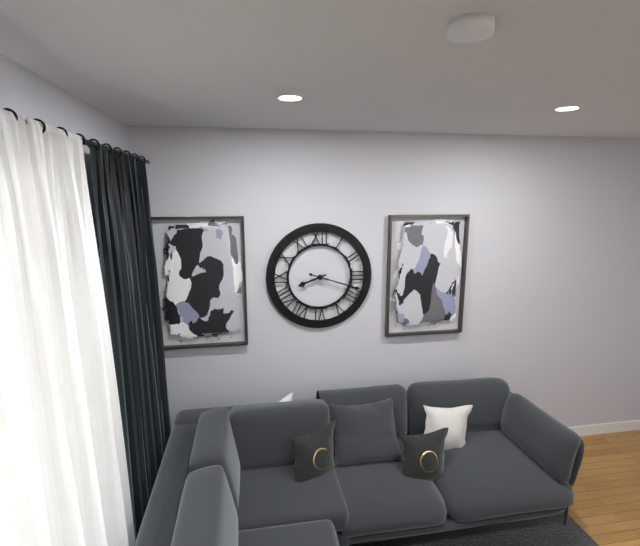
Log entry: 8,18
